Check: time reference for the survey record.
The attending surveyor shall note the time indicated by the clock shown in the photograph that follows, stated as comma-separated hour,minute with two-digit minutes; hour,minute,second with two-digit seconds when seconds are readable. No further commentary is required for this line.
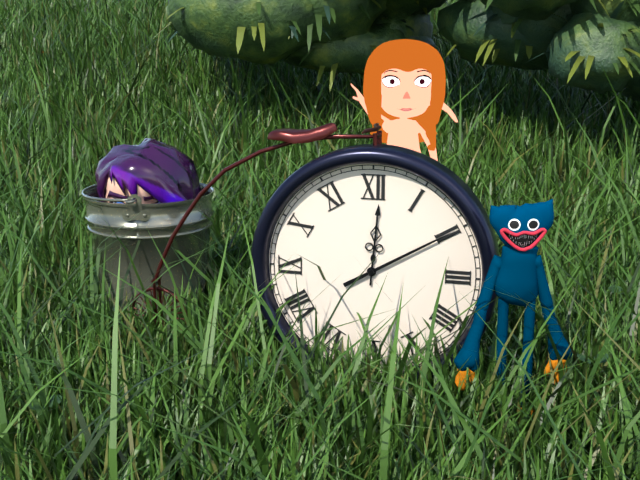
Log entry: 12,10
